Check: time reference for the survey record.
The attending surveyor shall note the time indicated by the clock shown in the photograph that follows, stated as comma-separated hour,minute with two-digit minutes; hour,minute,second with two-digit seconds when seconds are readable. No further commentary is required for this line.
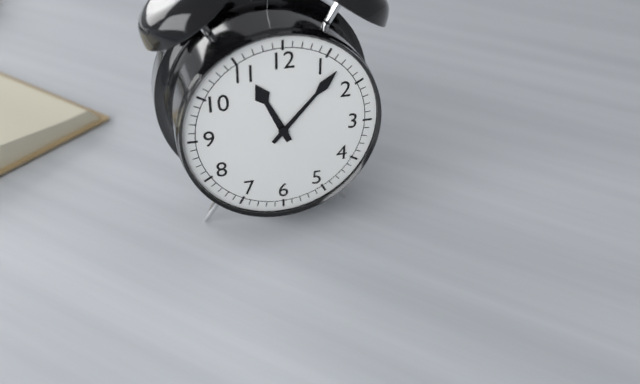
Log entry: 11,07
